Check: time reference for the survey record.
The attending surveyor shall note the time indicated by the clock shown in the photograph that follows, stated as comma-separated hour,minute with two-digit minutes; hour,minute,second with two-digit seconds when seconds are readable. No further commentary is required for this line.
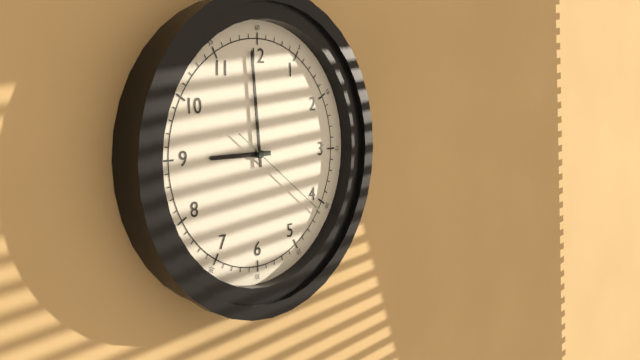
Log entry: 8,59,21
